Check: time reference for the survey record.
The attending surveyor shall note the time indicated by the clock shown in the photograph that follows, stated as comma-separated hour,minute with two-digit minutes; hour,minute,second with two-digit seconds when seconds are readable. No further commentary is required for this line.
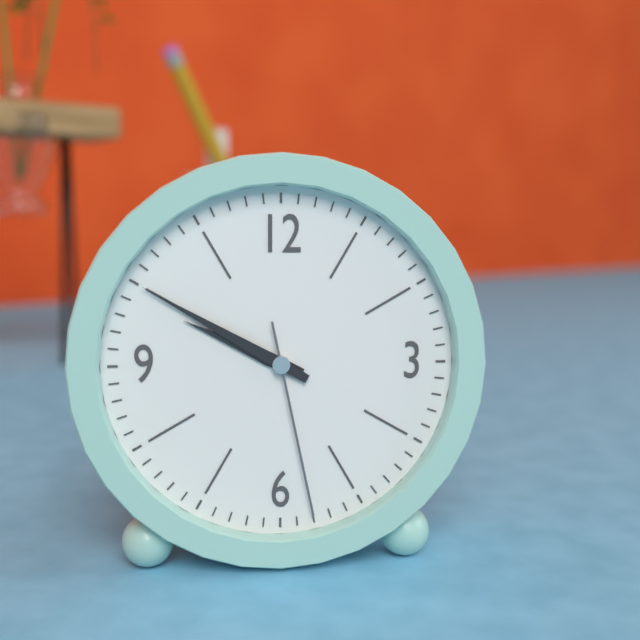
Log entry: 9,50,28
